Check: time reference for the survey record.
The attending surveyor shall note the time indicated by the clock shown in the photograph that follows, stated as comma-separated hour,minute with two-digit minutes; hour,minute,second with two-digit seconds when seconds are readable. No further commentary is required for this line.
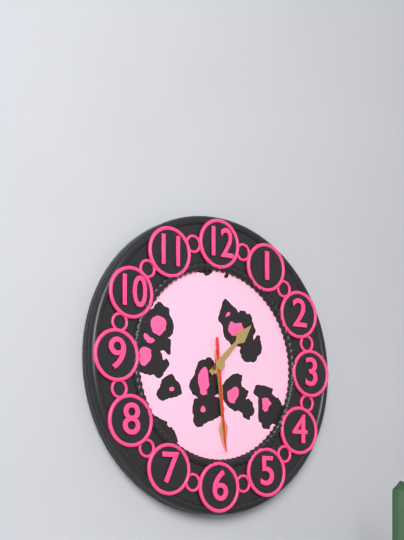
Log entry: 1,29,29
